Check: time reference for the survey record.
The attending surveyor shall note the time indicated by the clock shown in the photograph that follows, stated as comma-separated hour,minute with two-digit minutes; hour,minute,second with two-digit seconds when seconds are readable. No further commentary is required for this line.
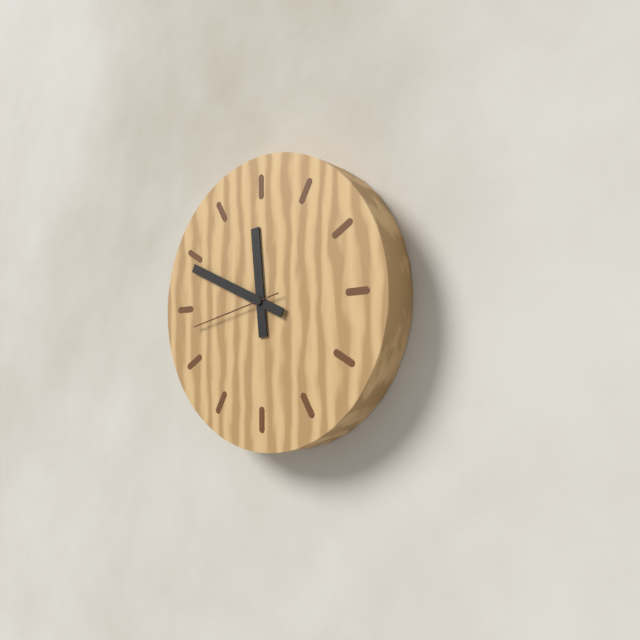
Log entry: 11,49,43
